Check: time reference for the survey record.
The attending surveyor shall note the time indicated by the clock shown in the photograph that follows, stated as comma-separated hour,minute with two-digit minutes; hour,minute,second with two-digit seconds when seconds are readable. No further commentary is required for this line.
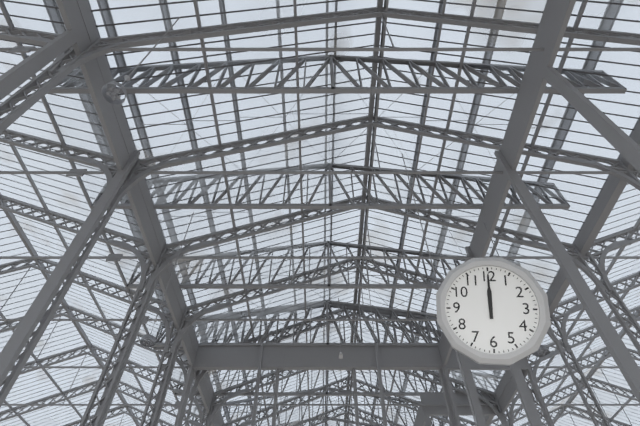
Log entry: 12,00
